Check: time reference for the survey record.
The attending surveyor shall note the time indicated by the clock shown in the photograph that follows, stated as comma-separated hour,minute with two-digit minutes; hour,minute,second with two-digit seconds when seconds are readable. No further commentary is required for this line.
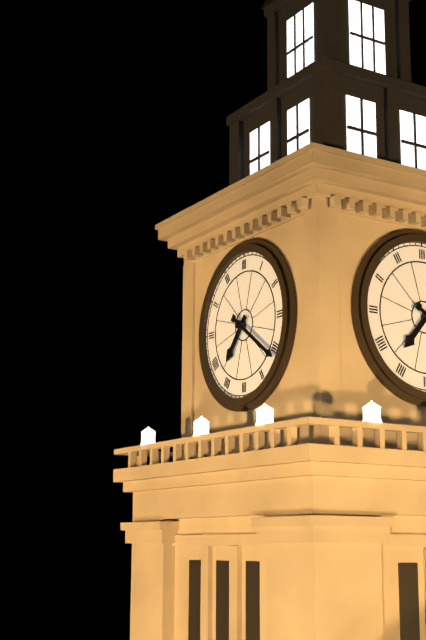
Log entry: 7,21
